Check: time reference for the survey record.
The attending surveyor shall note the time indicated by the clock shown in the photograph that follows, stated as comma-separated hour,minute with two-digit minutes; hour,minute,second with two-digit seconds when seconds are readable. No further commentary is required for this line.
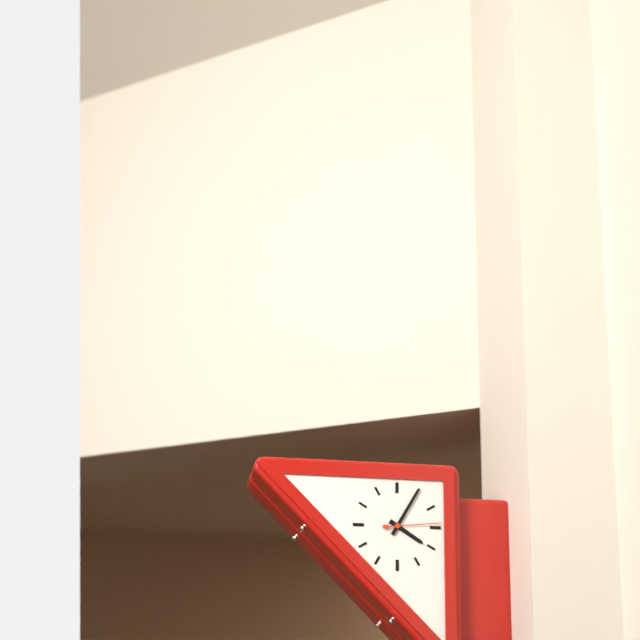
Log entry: 4,05,14
